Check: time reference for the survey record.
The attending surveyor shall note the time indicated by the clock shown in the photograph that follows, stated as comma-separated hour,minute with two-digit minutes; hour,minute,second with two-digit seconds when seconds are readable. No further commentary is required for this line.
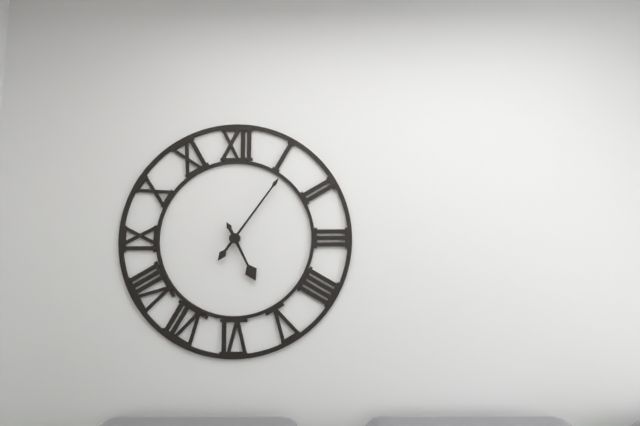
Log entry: 5,06
